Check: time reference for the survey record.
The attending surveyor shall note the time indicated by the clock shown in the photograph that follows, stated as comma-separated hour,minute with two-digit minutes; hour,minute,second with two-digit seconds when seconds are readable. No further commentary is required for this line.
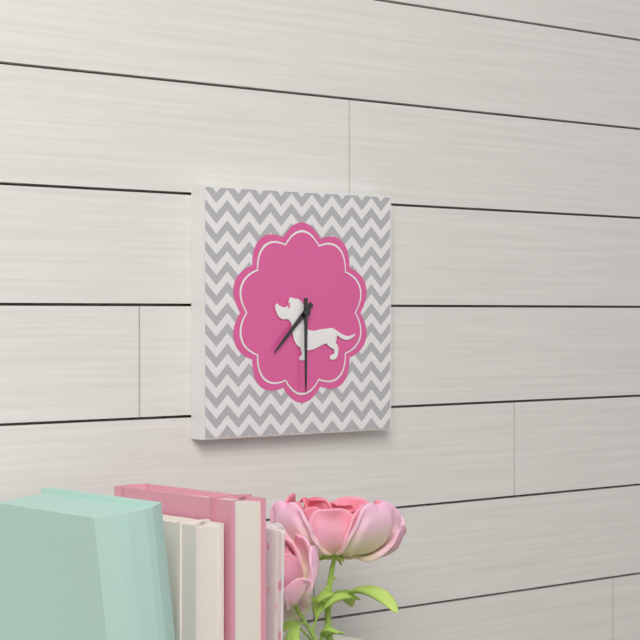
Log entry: 7,30
